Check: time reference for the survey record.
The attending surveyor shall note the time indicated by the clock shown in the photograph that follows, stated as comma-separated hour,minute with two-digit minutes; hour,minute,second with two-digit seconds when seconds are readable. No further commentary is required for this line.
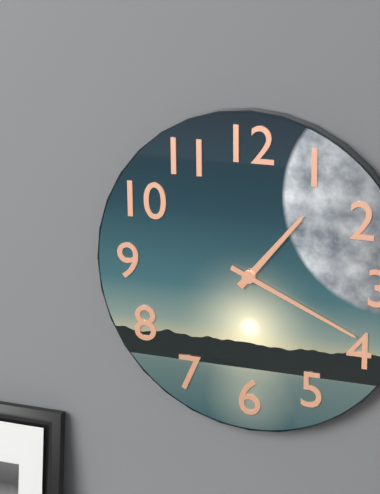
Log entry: 1,19
